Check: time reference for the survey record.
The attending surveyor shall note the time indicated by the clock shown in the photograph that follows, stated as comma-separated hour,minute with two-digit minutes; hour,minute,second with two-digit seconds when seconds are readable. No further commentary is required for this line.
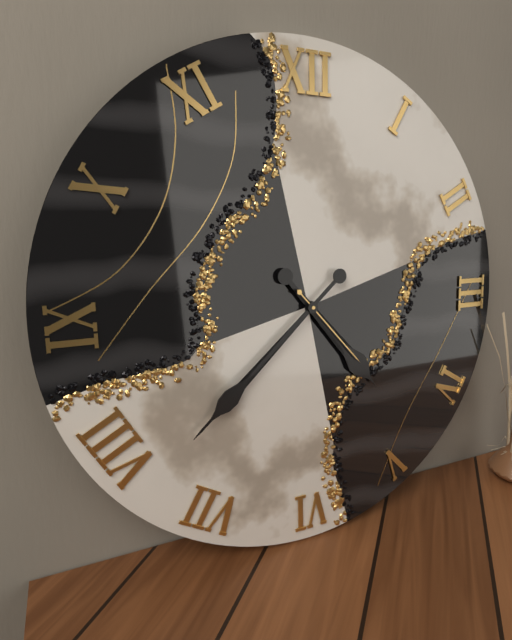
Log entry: 4,38,23
